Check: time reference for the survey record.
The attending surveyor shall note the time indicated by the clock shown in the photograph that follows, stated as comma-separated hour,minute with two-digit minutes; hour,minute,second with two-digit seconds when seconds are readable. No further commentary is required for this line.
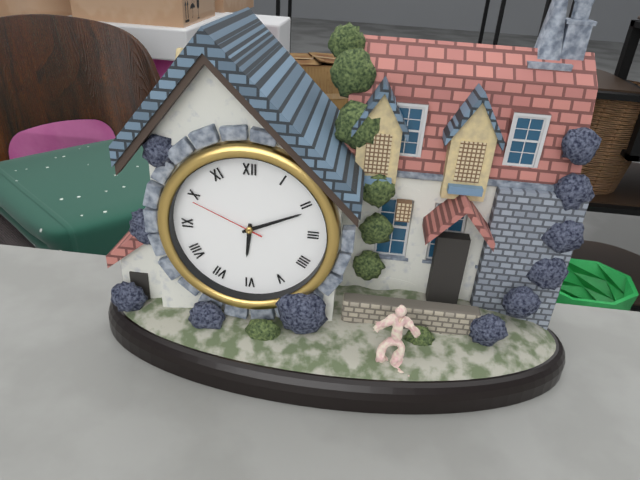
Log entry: 6,11,49
